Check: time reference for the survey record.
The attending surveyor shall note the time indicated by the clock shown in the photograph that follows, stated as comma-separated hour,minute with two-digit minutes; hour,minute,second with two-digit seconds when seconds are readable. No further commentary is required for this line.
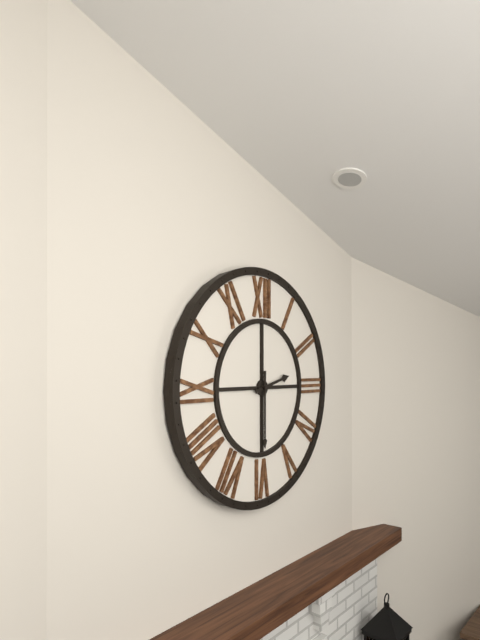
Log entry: 2,30
